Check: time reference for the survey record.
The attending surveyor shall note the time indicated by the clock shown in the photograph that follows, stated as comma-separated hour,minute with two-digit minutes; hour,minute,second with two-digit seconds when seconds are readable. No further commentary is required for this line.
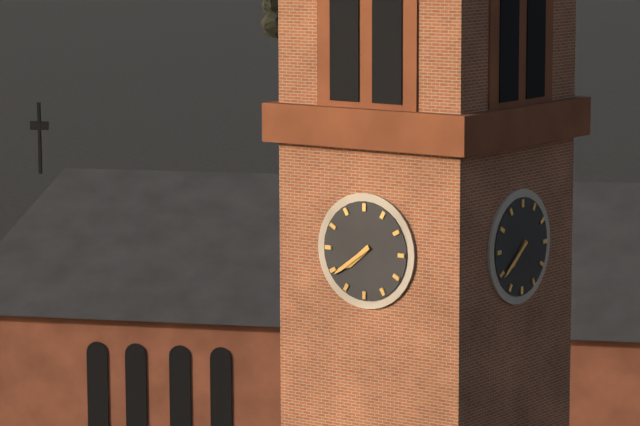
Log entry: 7,39
